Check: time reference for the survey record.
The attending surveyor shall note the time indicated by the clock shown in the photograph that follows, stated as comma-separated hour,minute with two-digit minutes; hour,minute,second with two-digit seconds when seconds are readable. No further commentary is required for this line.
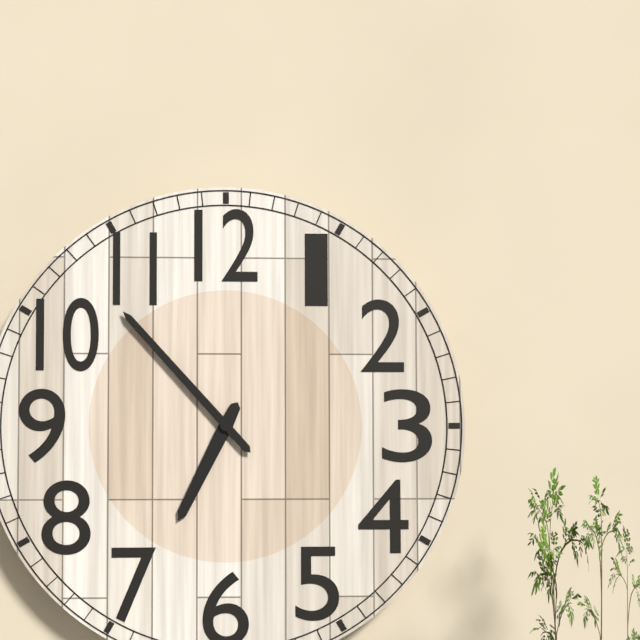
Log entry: 6,53
